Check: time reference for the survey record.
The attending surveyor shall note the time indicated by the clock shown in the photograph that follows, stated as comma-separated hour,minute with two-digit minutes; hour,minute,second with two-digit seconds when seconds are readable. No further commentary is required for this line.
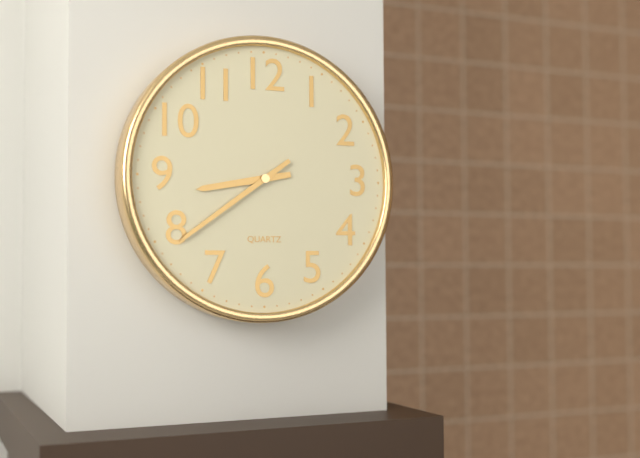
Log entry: 8,39
